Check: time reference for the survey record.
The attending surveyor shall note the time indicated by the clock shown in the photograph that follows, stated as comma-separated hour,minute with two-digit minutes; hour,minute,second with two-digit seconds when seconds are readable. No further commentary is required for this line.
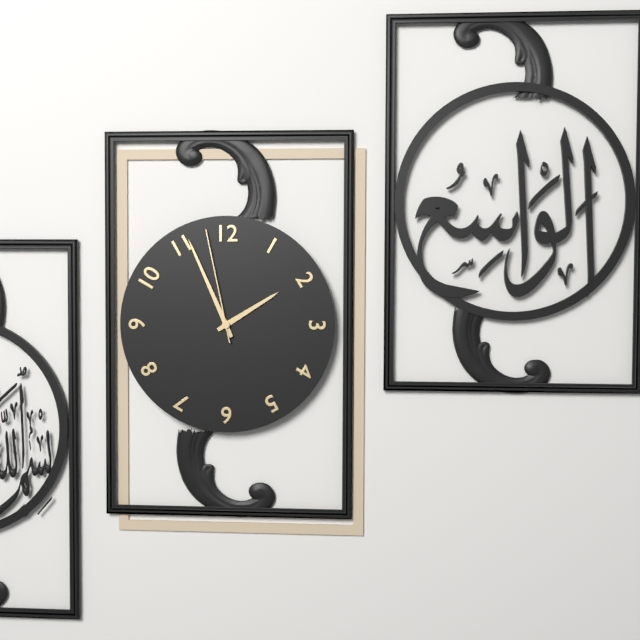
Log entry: 1,56,58
